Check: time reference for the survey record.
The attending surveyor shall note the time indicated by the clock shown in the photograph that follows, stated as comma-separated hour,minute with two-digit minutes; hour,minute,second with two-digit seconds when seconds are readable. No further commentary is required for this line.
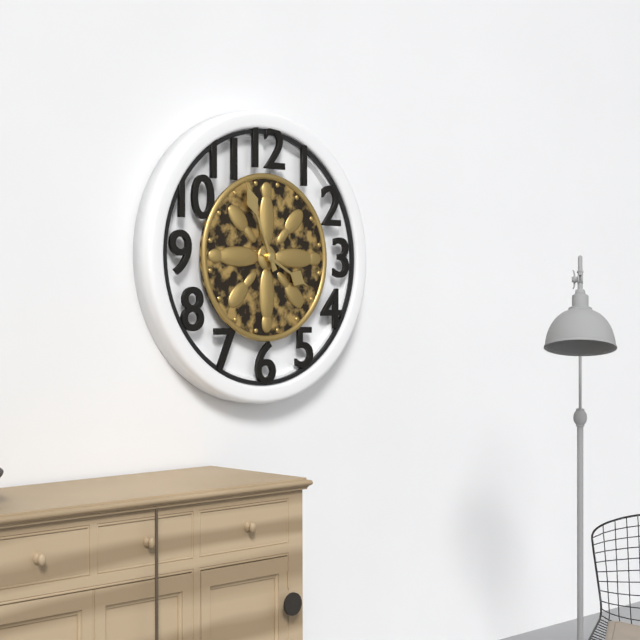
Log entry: 3,56
